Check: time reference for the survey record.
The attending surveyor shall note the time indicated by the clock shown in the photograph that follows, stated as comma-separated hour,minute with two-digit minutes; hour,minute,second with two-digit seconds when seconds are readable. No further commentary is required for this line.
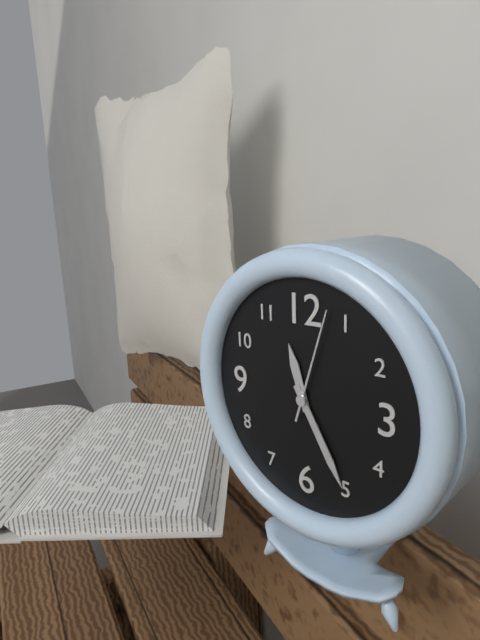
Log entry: 11,25,03
